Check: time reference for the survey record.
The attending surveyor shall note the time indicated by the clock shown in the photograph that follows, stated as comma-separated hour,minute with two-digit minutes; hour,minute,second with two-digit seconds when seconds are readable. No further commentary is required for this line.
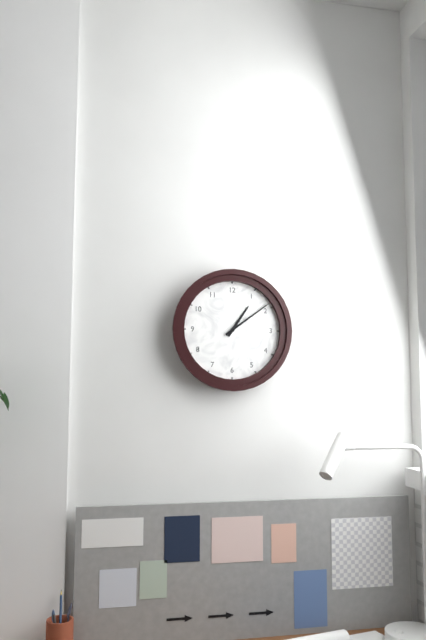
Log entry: 1,09
